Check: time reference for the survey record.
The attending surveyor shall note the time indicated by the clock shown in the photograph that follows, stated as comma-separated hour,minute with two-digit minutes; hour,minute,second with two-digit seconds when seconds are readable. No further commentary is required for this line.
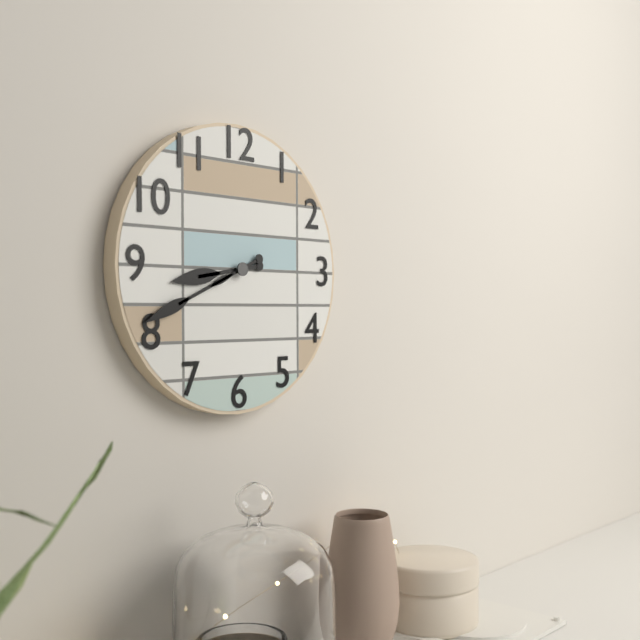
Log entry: 8,41
